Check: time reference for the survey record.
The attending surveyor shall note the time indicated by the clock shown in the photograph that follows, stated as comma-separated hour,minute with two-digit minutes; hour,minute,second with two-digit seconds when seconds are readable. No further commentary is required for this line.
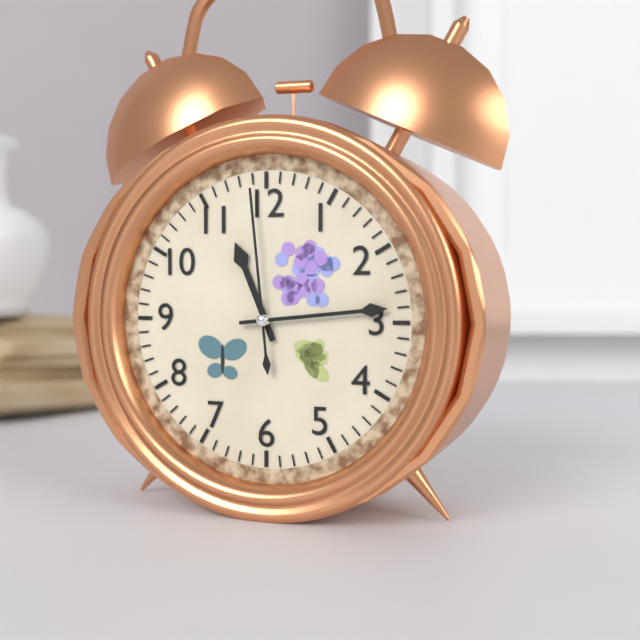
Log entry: 11,14,59
